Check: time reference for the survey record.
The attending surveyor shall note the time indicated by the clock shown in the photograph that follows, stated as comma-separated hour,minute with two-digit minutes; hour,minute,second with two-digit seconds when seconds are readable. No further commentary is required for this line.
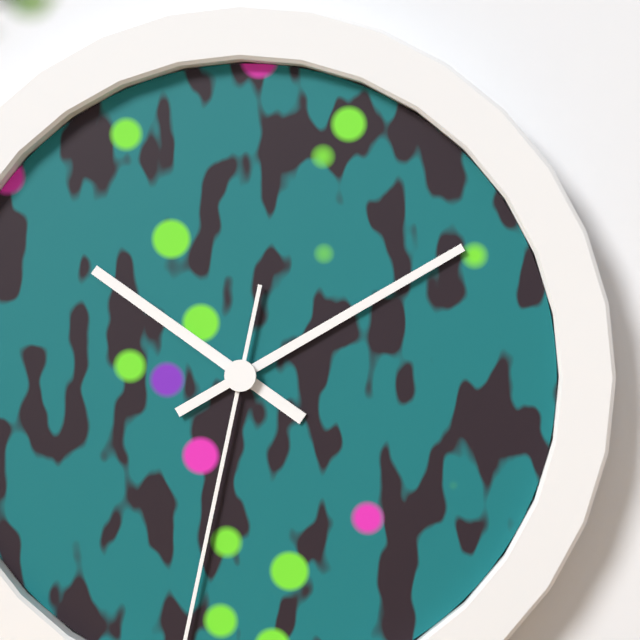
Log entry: 10,10
